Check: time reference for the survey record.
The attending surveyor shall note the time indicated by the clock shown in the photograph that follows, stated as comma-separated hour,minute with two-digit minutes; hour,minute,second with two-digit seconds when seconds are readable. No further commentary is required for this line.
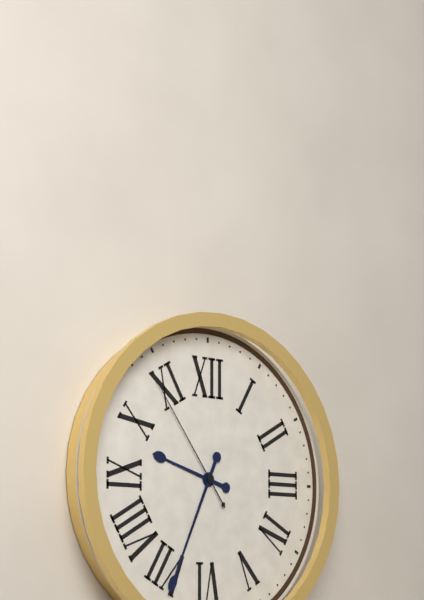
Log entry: 9,34,54
